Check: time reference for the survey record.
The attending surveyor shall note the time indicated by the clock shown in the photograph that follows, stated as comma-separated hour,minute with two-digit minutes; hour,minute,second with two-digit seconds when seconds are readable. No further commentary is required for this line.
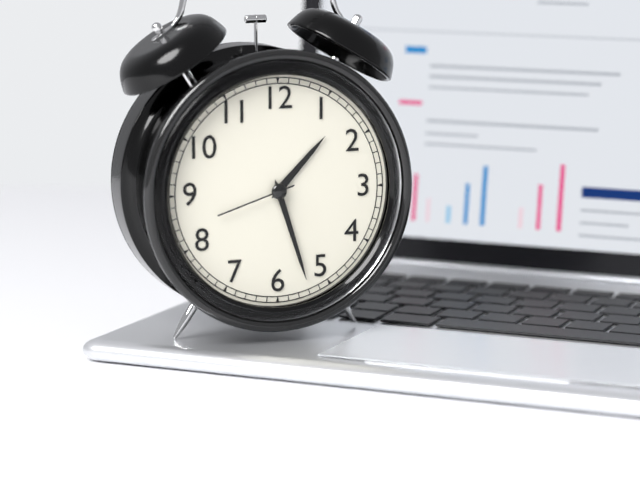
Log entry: 1,27,42
